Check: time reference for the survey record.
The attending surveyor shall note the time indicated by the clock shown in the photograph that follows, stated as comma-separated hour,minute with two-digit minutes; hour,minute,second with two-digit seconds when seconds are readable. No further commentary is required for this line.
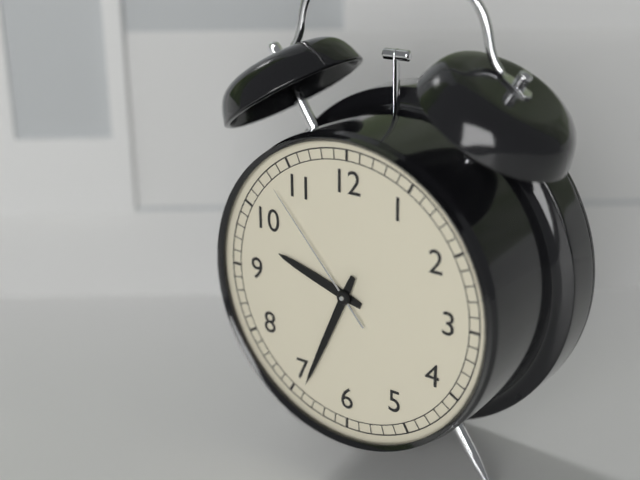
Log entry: 9,34,53
